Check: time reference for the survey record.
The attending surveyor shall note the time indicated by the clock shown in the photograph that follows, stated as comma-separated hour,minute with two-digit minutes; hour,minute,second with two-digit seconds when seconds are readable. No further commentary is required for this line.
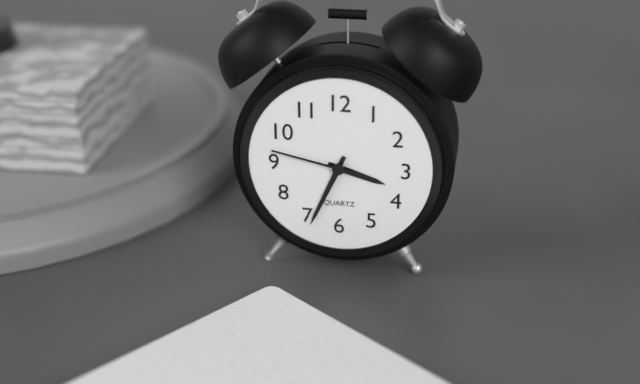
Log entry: 3,34,47
